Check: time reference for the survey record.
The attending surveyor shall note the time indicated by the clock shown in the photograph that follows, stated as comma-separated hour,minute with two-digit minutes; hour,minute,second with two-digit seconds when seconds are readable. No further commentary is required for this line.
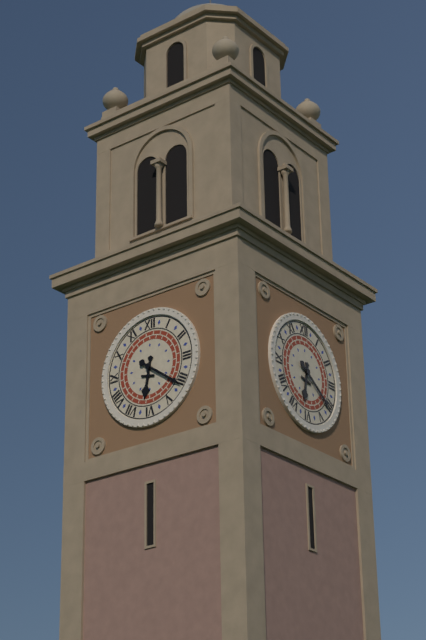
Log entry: 6,21
